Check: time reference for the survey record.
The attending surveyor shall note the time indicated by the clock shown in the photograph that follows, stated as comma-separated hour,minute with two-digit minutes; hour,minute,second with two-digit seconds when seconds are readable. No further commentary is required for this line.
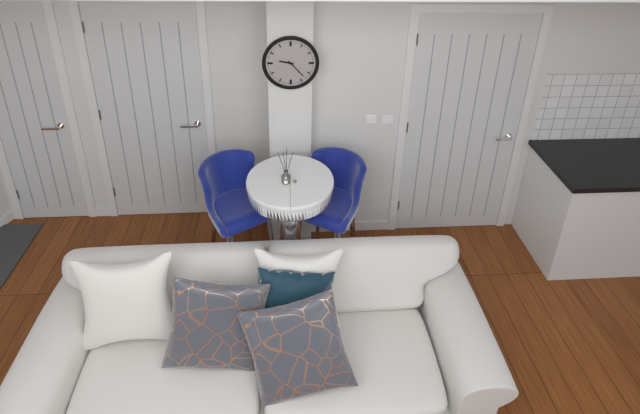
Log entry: 9,23
